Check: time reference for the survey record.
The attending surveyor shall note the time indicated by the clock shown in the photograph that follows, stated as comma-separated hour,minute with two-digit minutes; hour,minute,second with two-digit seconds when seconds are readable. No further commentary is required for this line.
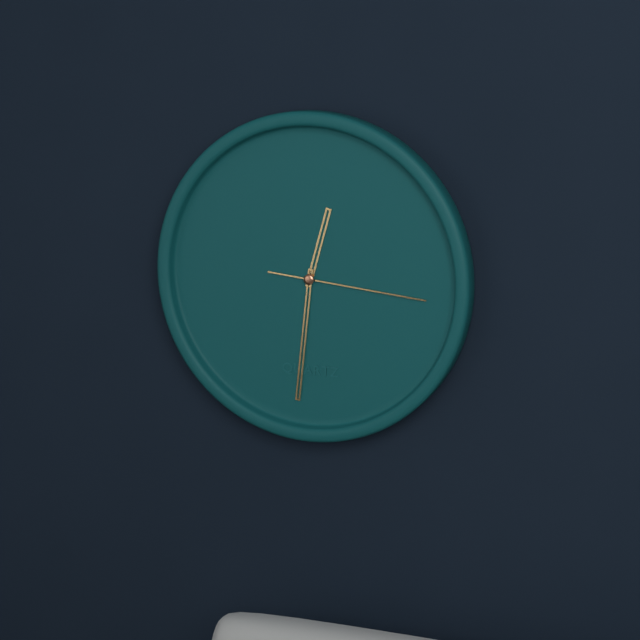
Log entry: 12,31,16
